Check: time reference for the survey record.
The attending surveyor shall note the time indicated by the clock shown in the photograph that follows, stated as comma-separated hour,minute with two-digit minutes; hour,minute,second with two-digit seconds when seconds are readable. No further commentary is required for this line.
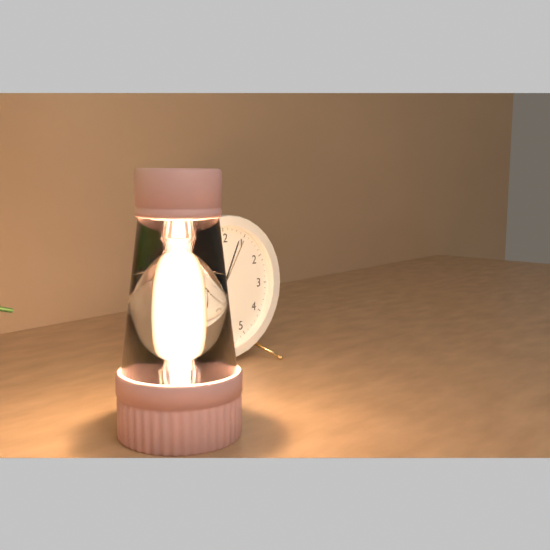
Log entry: 11,04,05
